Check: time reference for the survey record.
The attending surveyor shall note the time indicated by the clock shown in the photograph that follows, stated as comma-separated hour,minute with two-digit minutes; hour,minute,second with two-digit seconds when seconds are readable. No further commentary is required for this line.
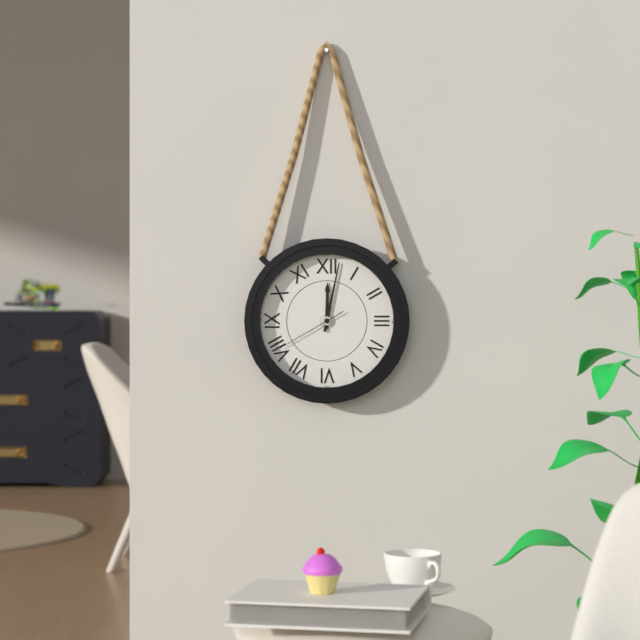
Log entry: 12,02,40
